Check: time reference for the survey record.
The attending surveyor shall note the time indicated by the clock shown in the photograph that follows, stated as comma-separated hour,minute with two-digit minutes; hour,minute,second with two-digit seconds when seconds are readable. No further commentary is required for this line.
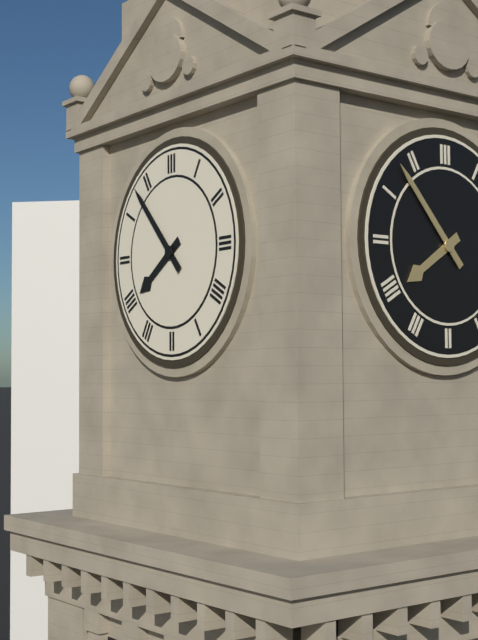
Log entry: 7,53
